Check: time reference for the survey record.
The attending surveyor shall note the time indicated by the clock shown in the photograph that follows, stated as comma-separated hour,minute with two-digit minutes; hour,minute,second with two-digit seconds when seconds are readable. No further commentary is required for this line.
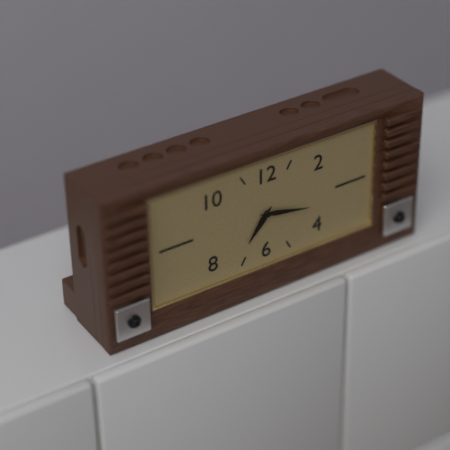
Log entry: 7,17
